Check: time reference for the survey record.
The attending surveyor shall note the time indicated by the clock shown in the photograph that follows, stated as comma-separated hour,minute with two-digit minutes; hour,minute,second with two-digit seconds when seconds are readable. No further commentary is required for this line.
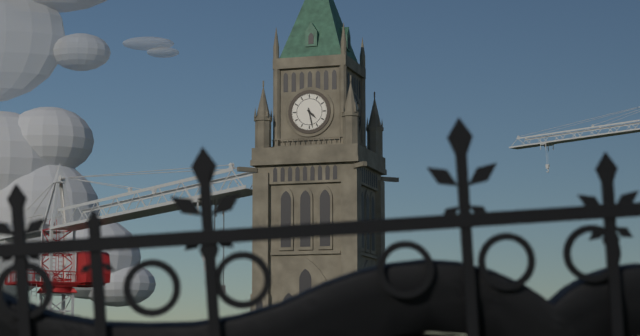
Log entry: 4,28
